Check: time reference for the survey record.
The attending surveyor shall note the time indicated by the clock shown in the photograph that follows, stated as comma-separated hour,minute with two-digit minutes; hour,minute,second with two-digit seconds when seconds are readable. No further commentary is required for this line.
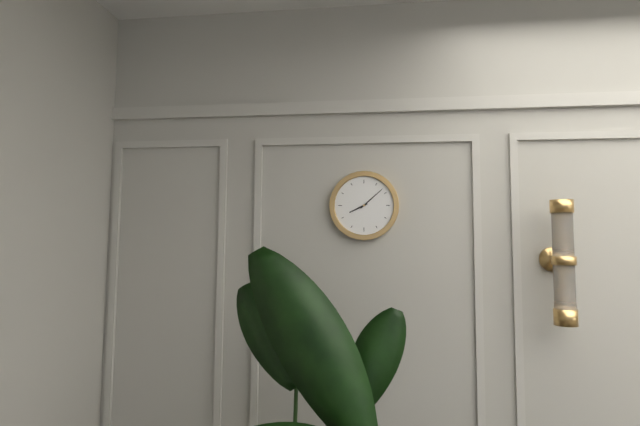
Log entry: 8,08
